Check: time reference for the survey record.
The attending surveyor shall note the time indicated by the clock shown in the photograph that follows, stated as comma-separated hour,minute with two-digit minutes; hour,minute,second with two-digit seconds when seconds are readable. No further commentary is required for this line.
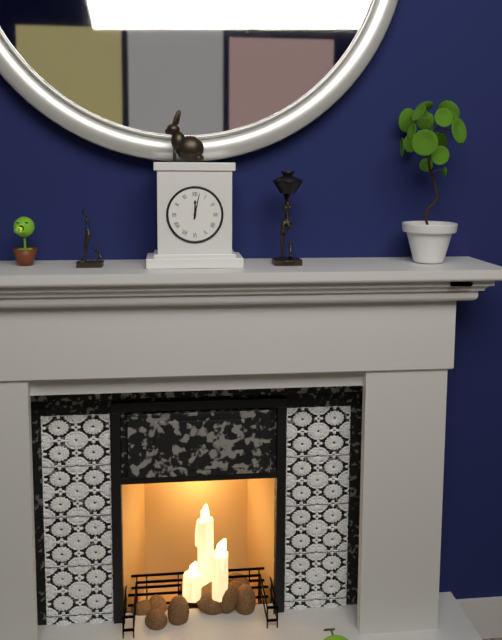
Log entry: 12,02
